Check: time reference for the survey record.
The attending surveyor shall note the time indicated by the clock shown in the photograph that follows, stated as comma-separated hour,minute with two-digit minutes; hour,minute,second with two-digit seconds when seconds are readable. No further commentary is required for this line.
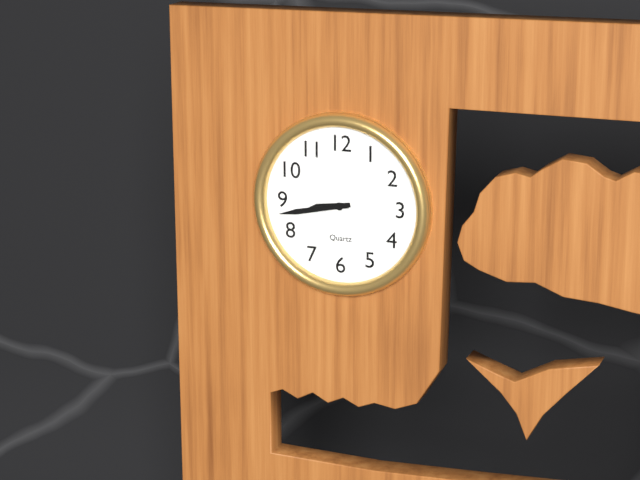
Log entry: 8,43
